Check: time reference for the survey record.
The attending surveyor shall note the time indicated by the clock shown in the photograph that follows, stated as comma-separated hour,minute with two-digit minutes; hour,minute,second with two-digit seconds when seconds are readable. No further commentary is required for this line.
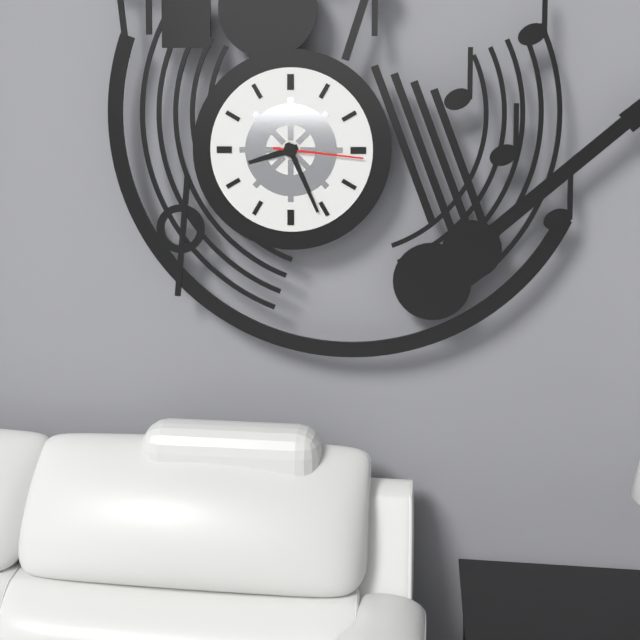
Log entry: 8,26,16
